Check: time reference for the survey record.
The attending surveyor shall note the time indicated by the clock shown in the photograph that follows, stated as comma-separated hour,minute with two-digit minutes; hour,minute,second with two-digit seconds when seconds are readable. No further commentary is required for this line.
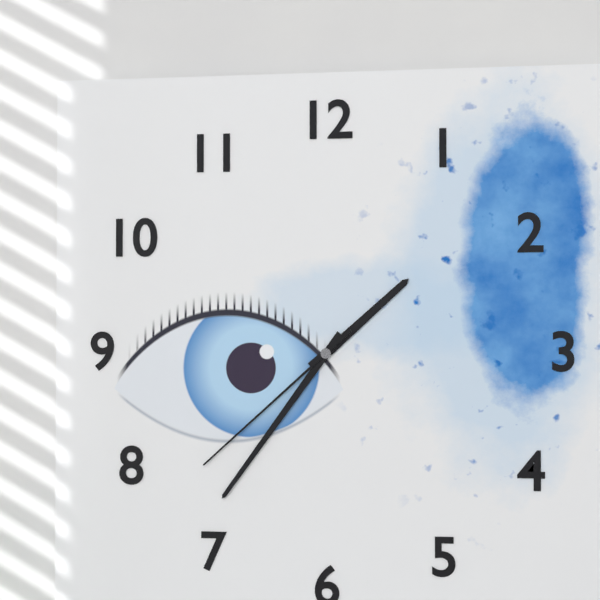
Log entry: 1,36,38
